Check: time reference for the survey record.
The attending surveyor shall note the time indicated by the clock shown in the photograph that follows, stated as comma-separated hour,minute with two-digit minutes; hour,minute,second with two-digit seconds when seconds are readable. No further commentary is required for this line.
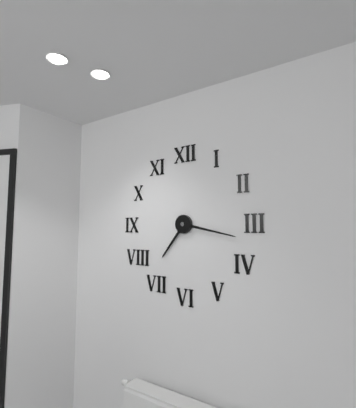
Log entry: 7,17
